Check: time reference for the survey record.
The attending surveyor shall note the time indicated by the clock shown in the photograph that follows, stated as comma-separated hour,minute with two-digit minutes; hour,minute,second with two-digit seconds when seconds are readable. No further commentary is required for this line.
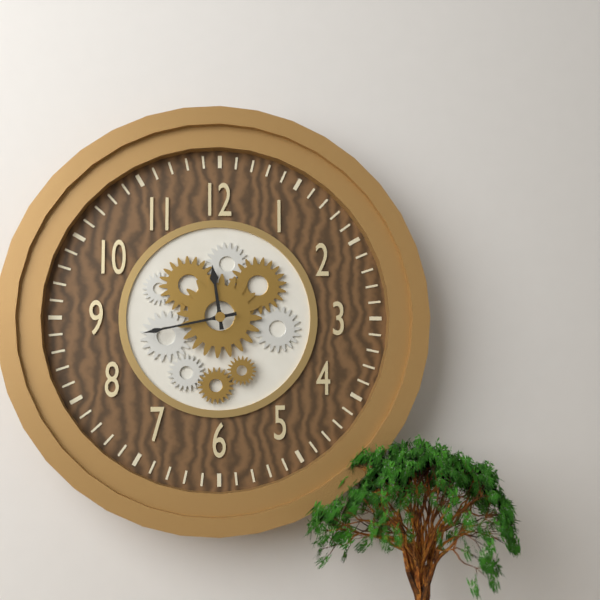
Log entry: 11,43
